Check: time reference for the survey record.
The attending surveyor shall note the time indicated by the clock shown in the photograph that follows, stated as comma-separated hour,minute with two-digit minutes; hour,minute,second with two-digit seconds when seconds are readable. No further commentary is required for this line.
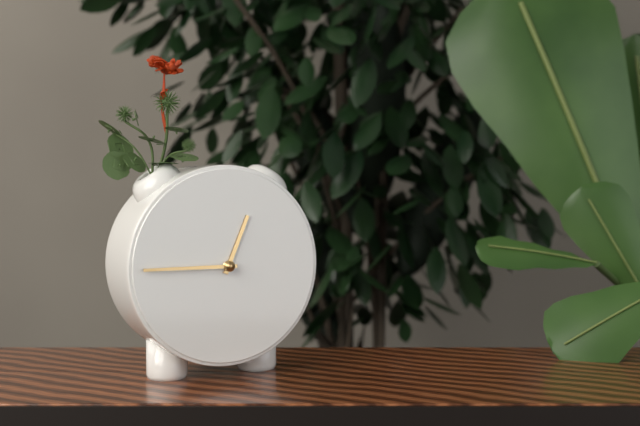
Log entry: 12,45
